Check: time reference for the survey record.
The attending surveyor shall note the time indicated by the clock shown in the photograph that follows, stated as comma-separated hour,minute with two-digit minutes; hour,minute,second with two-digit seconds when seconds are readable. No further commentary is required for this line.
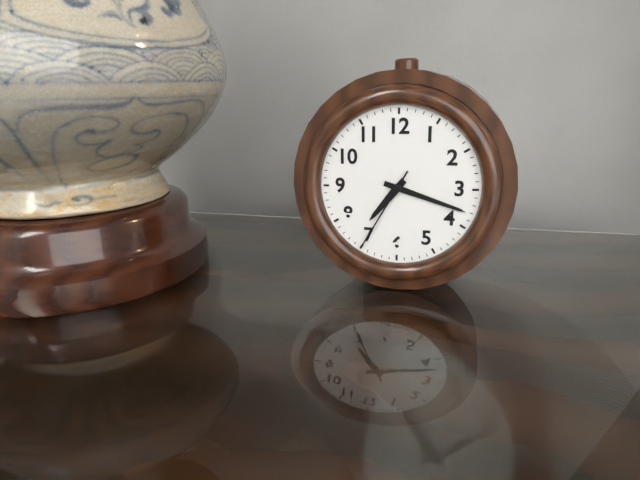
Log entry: 7,18,35
